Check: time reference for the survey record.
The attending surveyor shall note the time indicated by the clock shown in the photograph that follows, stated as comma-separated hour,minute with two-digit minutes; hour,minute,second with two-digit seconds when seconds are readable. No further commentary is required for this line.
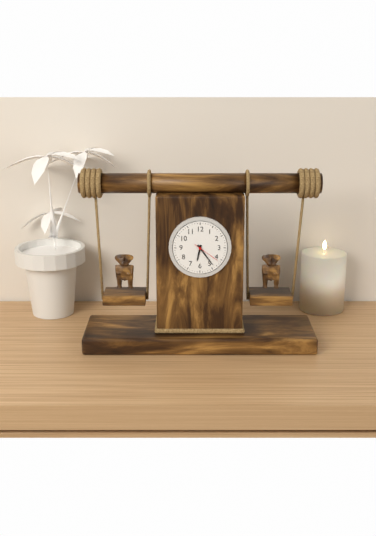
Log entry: 6,24
